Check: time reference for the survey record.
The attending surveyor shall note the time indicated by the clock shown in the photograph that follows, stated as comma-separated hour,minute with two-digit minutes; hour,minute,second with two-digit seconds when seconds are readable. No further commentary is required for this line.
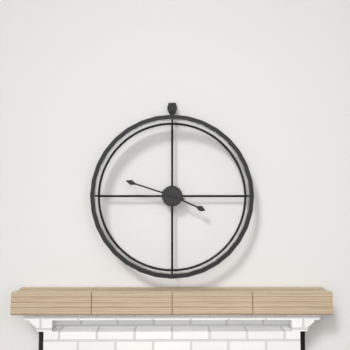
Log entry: 3,48
